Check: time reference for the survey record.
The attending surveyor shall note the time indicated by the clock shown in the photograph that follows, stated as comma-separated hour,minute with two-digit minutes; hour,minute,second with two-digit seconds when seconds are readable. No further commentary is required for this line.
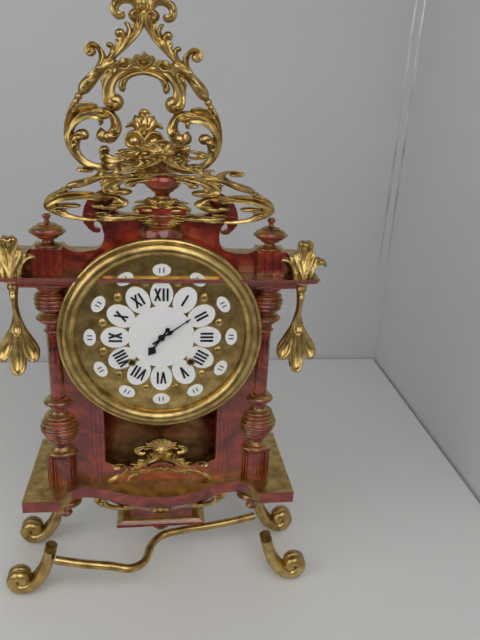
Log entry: 7,09
